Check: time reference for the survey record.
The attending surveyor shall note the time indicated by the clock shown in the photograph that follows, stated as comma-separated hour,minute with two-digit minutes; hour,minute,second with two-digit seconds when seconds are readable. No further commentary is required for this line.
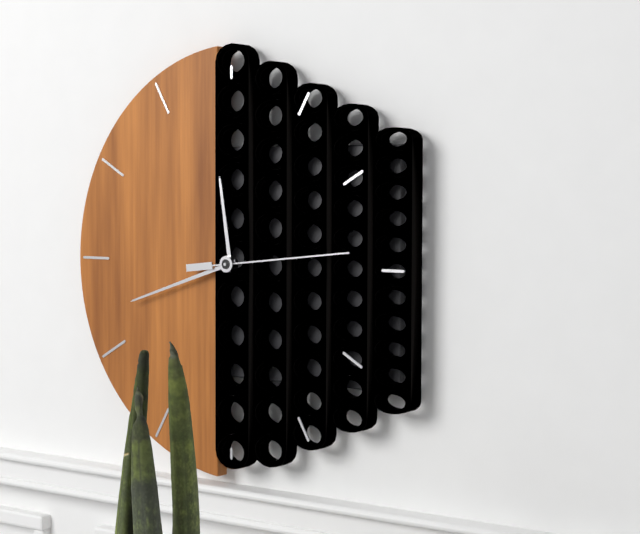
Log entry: 11,42,14
